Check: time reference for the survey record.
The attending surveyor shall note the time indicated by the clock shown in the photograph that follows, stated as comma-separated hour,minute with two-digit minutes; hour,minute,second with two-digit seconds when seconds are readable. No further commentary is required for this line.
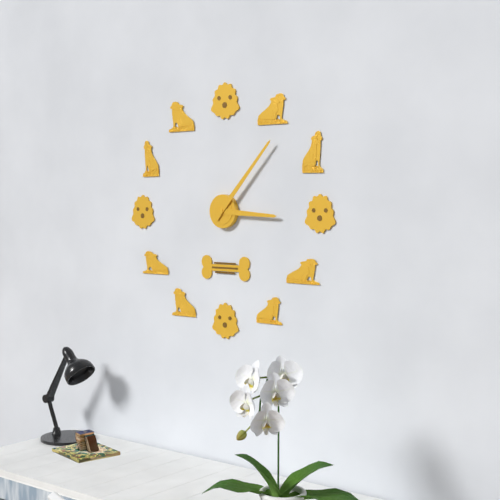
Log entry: 3,07
